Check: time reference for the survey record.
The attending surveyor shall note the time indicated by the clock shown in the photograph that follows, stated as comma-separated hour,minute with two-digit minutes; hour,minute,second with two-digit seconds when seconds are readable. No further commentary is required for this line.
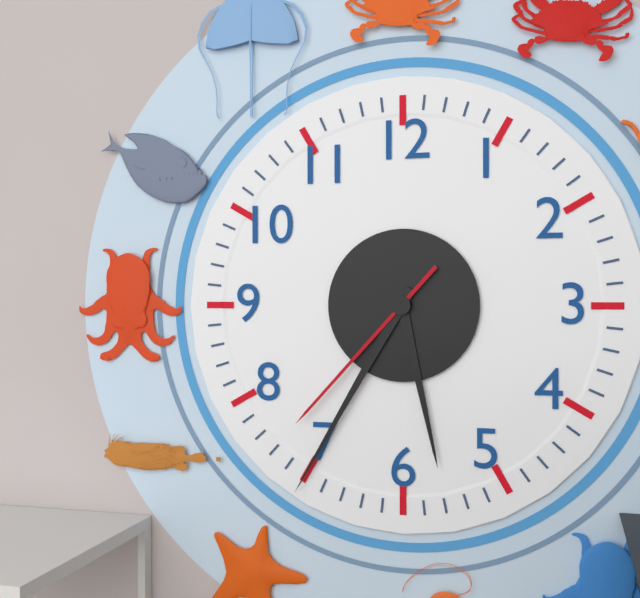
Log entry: 5,35,37
